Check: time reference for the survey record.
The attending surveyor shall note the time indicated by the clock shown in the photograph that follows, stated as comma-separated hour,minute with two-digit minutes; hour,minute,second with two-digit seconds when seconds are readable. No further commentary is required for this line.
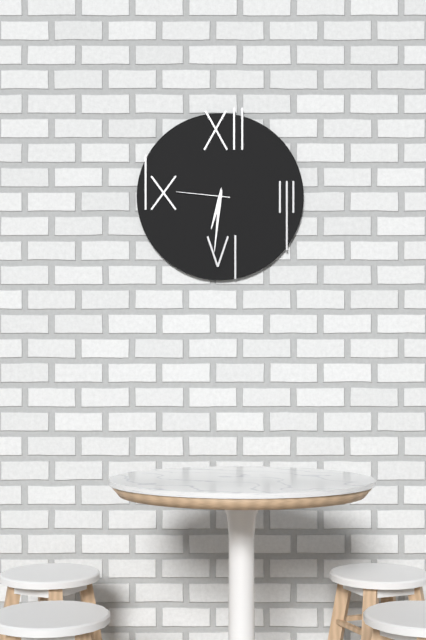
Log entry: 6,31,46
